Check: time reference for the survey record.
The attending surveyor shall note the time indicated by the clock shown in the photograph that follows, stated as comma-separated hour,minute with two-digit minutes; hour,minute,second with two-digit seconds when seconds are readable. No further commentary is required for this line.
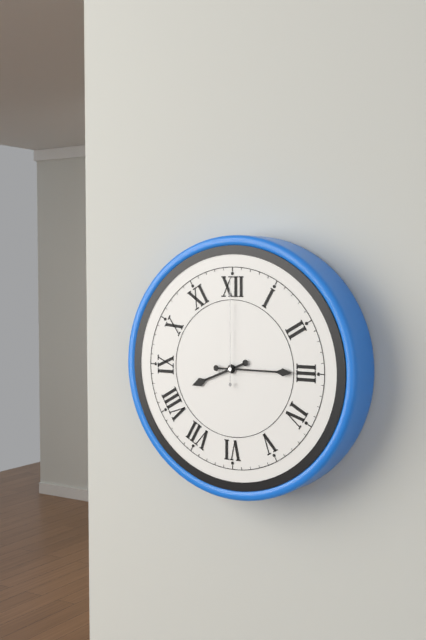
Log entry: 8,15,00
